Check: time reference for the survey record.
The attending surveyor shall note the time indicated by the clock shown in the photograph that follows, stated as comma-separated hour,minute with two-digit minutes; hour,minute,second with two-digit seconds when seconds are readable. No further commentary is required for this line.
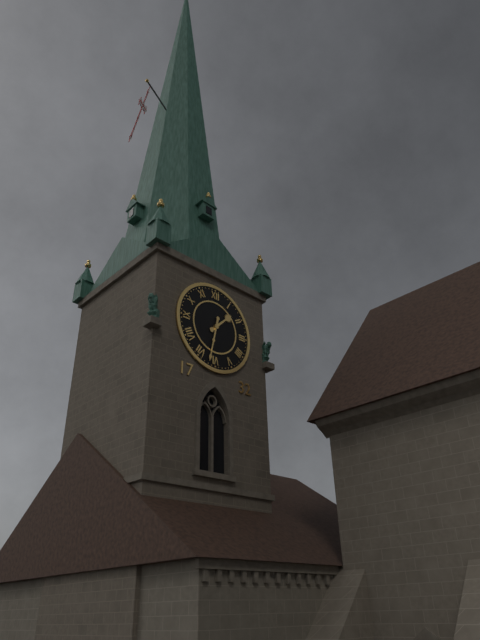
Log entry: 1,32
